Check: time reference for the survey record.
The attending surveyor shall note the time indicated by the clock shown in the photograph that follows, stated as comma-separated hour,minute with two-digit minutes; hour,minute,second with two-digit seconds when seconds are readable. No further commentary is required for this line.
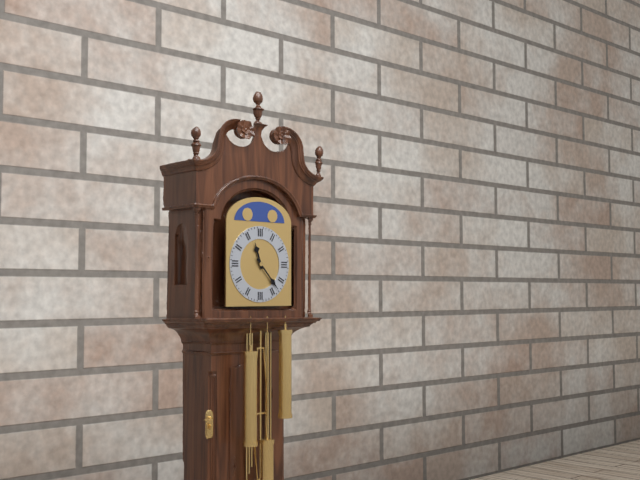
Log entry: 11,23
